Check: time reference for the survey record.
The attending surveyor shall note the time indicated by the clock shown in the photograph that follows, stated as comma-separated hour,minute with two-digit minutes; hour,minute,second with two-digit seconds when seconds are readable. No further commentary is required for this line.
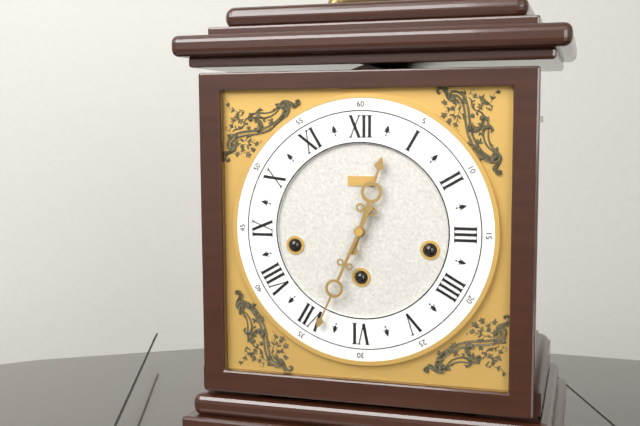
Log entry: 12,34
